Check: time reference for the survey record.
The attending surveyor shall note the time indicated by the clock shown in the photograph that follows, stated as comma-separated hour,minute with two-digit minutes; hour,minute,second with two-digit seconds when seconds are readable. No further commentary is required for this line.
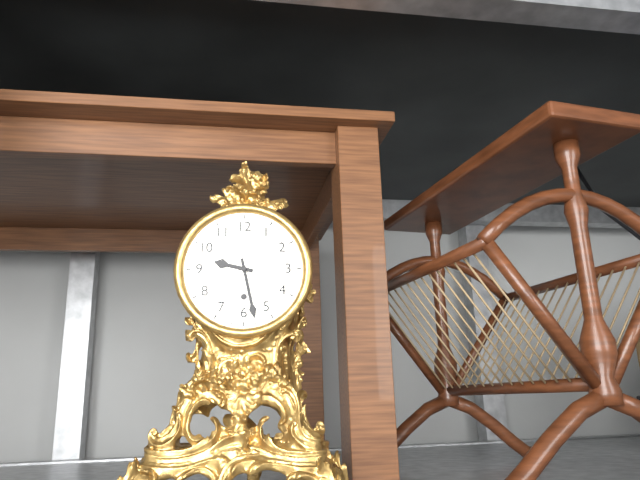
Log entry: 9,28
